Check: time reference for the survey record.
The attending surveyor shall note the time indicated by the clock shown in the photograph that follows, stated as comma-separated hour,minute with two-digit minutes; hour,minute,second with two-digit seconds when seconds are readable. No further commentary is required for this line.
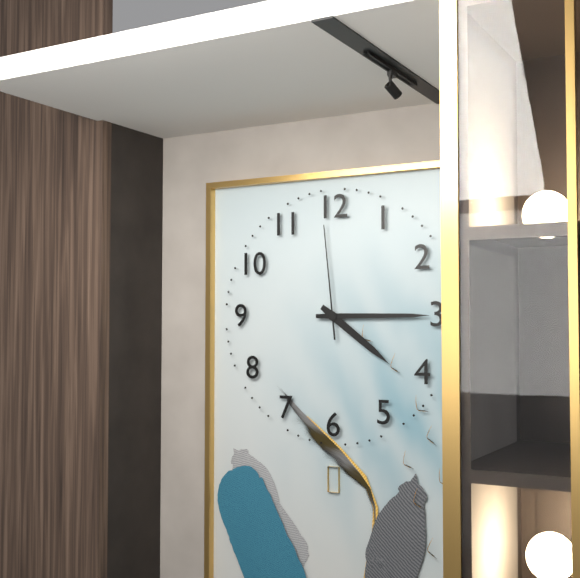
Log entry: 4,15,59
